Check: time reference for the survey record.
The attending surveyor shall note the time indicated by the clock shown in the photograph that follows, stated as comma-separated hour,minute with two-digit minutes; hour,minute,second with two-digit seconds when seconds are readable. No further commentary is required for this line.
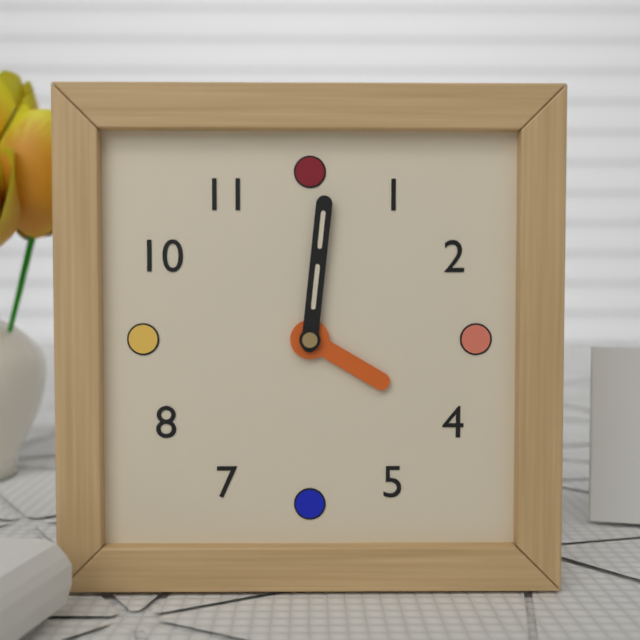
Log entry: 4,01
